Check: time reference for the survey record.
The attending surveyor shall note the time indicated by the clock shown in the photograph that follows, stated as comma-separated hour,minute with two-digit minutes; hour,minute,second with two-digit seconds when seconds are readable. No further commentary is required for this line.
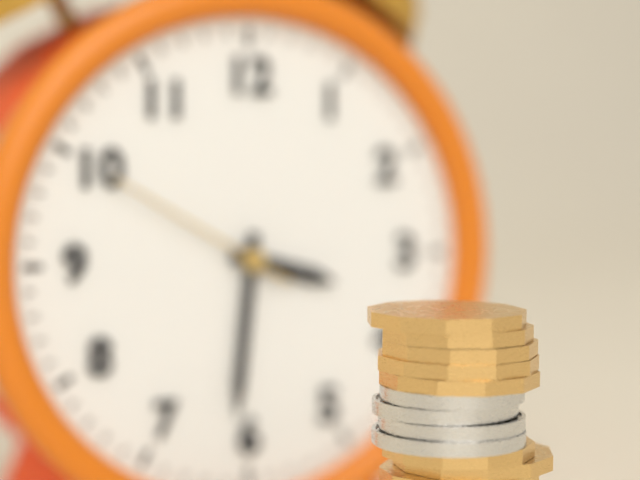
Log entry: 3,31,50
